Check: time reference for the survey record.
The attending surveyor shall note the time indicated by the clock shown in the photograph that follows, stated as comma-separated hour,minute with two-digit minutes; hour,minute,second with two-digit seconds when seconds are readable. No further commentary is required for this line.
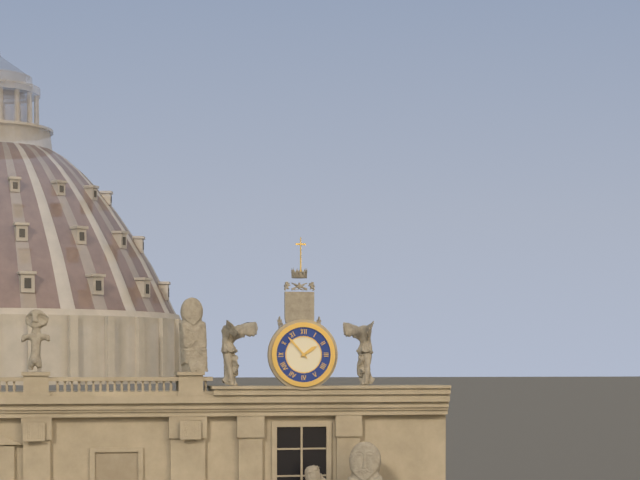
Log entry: 1,53
